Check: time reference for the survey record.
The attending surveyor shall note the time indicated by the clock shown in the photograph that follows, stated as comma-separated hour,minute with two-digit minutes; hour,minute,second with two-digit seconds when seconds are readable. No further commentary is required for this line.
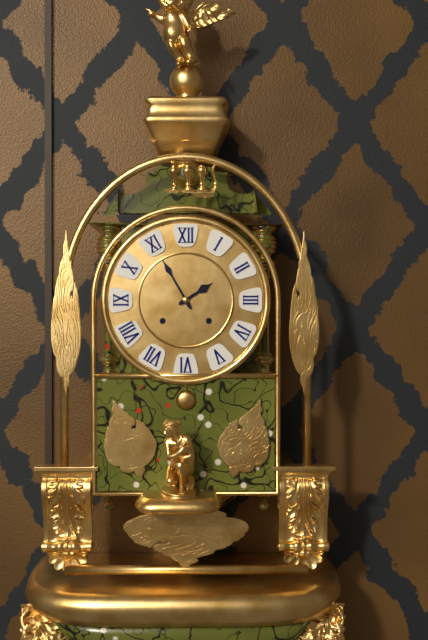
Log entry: 1,55
